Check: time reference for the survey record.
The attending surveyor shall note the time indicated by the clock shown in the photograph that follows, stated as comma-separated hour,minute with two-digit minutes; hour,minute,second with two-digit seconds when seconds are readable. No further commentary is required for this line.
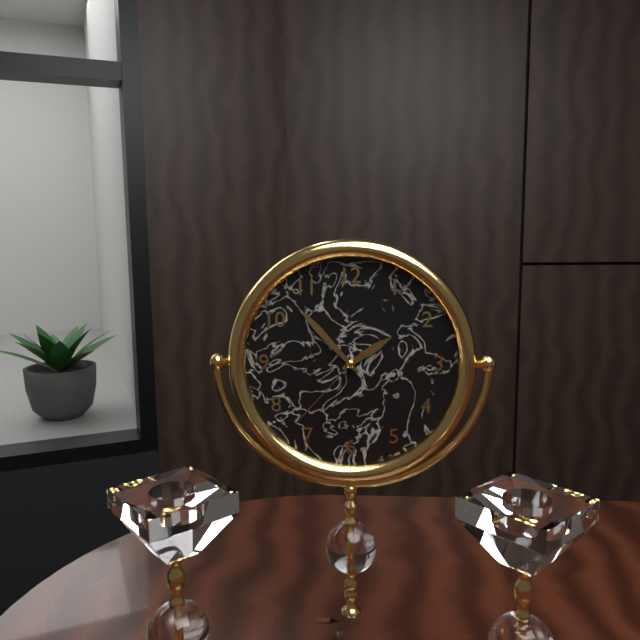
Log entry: 1,53,37
